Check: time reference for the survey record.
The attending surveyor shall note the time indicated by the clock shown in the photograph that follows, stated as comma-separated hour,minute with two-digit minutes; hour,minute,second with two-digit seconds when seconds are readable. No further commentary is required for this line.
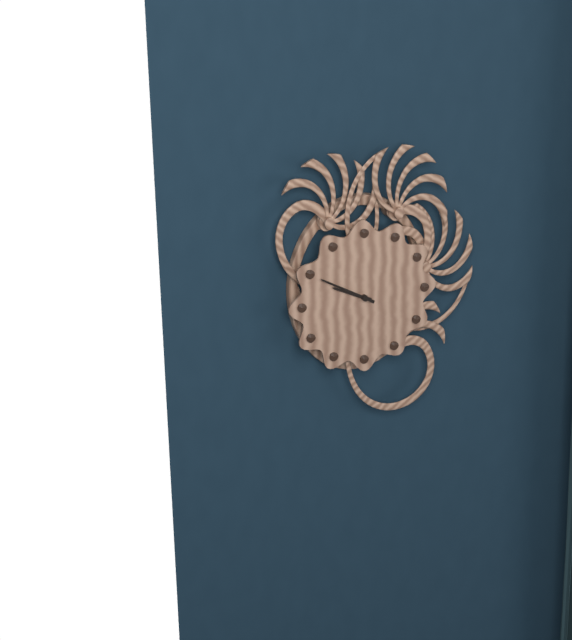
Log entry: 9,50
